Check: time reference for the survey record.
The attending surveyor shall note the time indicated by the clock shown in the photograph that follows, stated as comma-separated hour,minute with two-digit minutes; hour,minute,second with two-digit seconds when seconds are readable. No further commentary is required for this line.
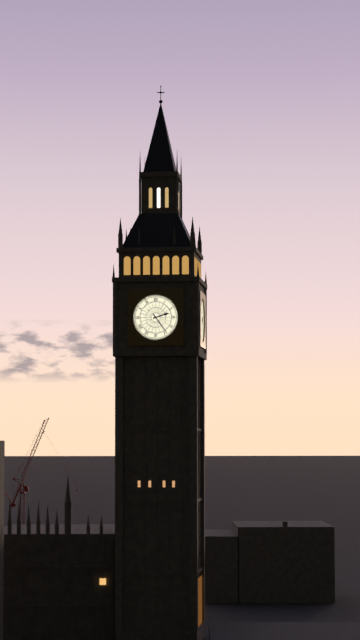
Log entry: 2,24
